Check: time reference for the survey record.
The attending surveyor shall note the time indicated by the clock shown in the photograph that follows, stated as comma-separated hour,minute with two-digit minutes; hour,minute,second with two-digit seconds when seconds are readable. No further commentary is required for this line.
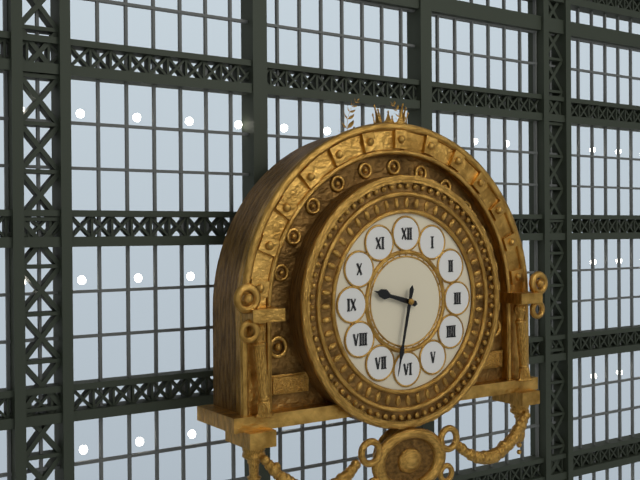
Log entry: 9,32
